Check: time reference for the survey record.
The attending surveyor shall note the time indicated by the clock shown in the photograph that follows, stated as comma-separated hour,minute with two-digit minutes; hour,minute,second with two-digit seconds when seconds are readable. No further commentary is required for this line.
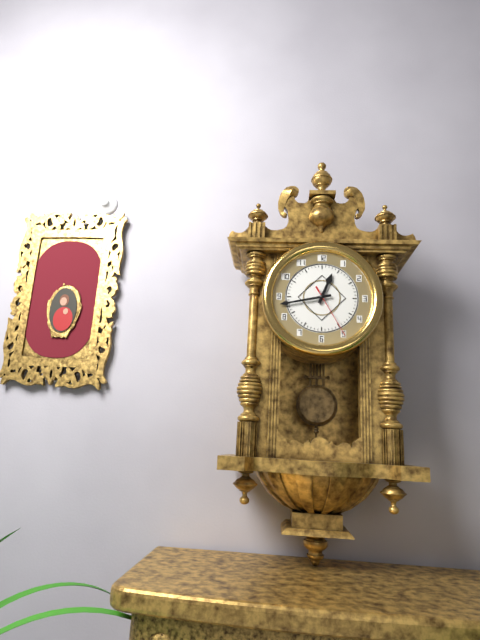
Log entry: 12,43,25
